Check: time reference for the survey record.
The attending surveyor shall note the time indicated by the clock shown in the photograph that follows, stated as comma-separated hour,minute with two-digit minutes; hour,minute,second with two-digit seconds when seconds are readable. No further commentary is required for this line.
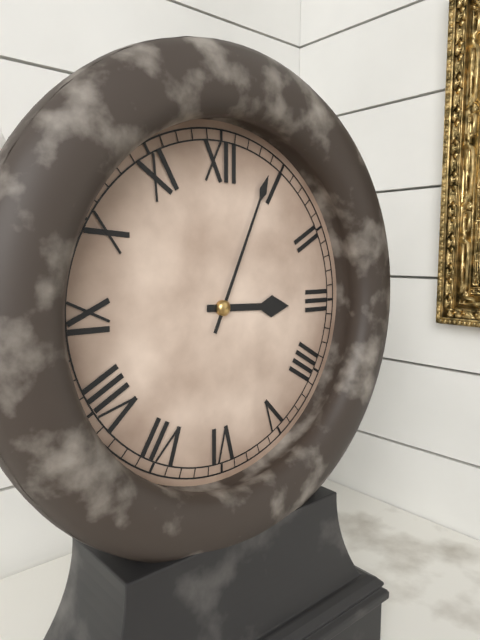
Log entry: 3,04
